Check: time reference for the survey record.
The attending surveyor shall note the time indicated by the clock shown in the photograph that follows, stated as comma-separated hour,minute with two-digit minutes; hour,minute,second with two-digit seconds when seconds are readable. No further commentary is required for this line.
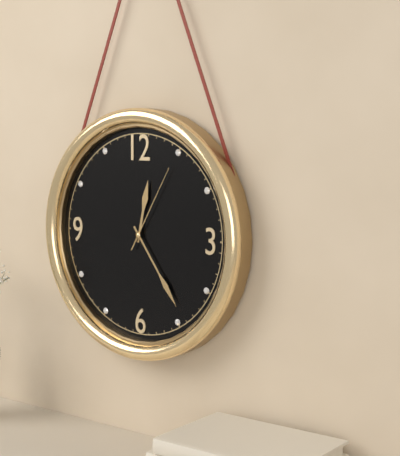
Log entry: 12,24,05
